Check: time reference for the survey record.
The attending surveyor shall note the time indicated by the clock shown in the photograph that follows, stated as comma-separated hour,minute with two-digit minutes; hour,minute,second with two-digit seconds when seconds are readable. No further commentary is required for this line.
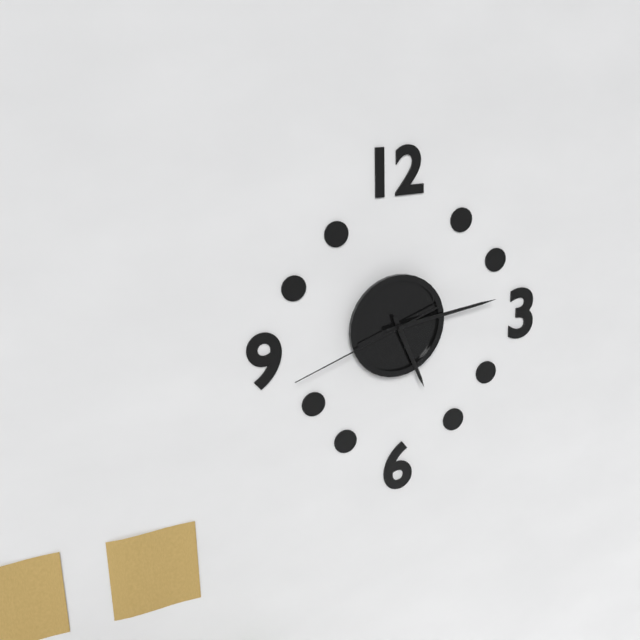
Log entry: 5,14,42
